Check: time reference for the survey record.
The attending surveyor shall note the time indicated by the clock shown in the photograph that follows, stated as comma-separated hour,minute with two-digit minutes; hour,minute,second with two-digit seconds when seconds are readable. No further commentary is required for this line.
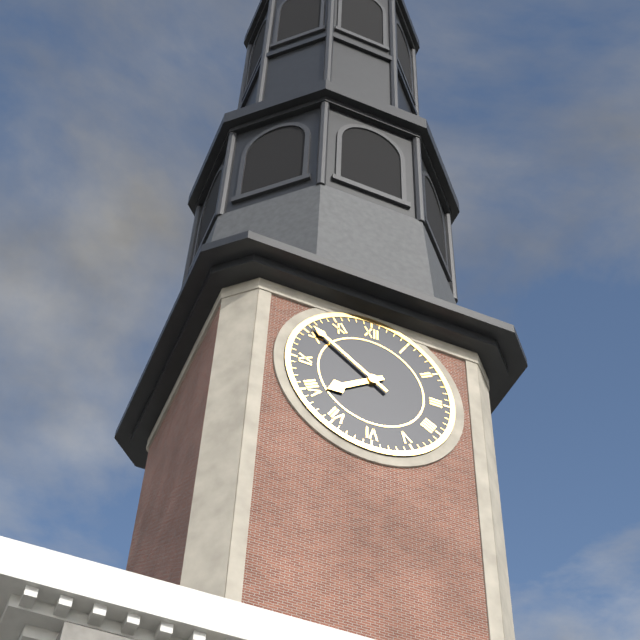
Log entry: 7,51
